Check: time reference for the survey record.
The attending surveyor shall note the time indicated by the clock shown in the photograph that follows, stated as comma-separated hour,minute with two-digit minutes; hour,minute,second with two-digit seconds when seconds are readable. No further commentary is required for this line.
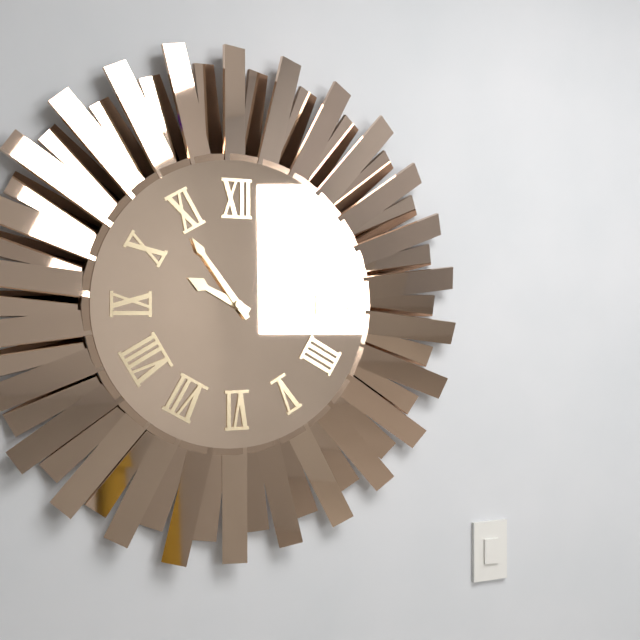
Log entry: 9,54
